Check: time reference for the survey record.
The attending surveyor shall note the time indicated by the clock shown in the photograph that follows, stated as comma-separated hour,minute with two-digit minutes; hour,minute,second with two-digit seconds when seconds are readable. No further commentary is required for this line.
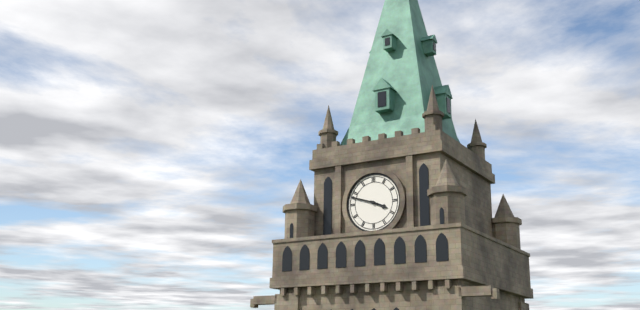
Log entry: 3,48
